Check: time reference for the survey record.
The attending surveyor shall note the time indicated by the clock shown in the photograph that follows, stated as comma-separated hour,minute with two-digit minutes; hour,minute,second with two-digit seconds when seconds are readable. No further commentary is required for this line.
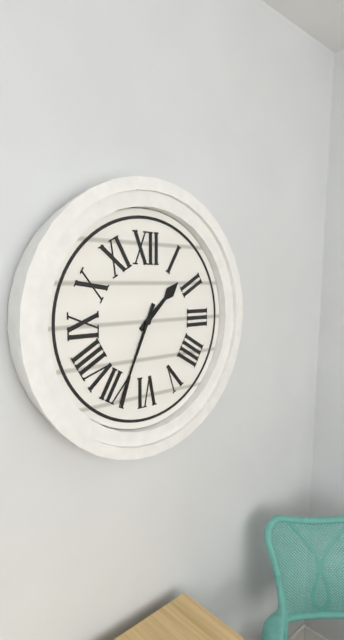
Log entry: 1,34
